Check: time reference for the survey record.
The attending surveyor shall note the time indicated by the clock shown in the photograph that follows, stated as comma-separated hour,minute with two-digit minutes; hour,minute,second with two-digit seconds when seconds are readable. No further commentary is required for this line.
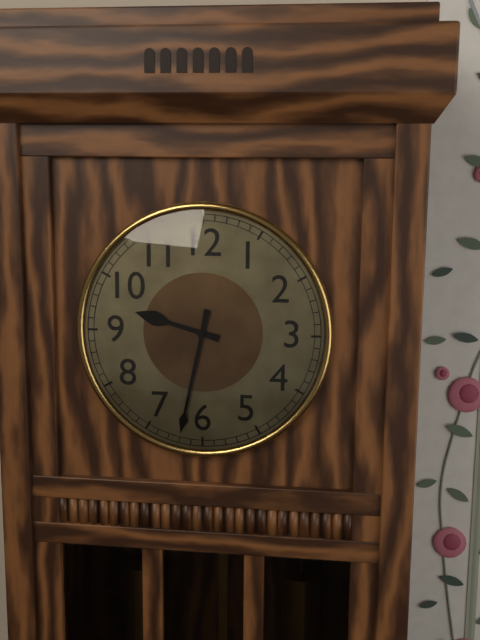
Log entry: 9,32
